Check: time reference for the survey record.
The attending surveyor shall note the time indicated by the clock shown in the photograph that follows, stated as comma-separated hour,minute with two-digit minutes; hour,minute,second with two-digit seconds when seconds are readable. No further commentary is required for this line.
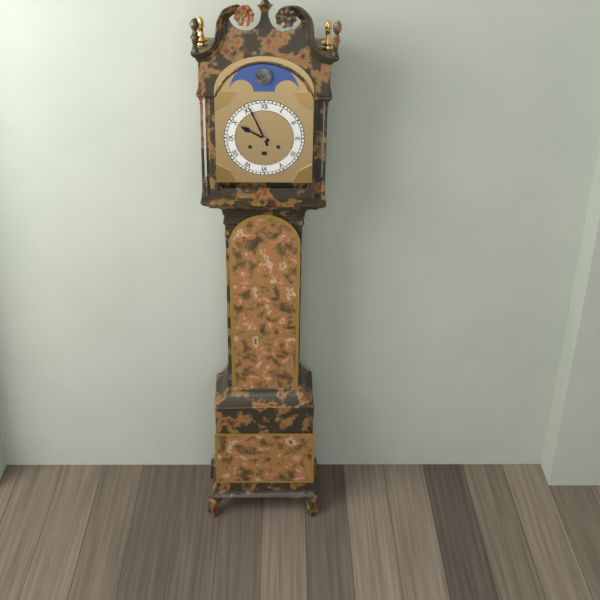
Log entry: 9,56
